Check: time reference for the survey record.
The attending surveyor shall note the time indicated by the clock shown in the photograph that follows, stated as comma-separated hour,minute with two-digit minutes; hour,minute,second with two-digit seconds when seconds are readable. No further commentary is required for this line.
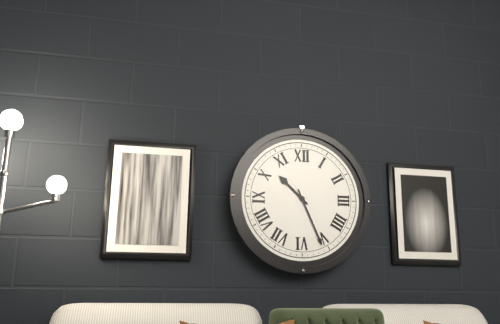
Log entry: 10,26
